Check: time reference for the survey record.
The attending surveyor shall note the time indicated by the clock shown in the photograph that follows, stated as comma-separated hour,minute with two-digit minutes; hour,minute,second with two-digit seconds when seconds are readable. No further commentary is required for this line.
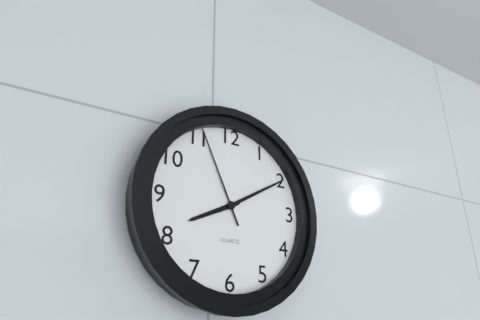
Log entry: 8,10,56
